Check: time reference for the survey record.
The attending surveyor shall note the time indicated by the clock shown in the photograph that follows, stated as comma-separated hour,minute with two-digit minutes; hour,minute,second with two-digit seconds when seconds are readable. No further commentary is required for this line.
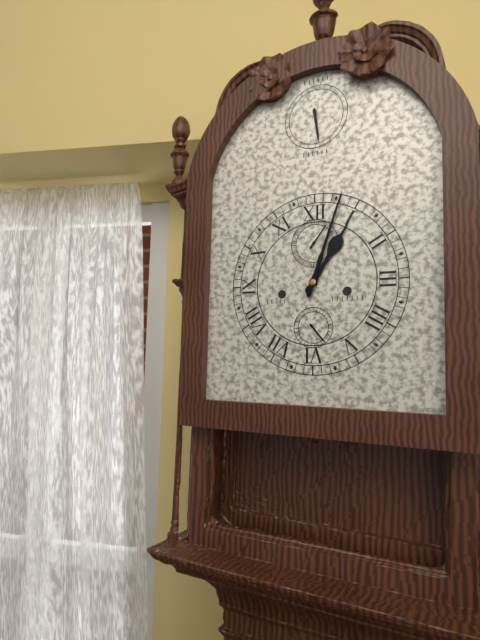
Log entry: 1,03
